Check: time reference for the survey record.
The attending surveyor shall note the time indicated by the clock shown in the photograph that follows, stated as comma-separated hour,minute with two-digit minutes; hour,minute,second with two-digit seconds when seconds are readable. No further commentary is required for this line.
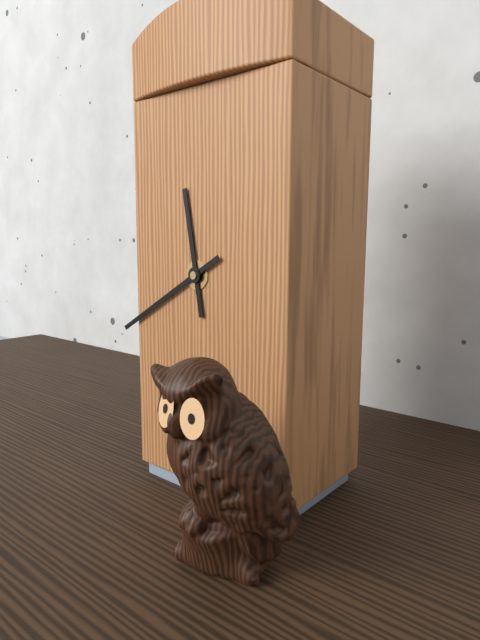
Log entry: 11,40
